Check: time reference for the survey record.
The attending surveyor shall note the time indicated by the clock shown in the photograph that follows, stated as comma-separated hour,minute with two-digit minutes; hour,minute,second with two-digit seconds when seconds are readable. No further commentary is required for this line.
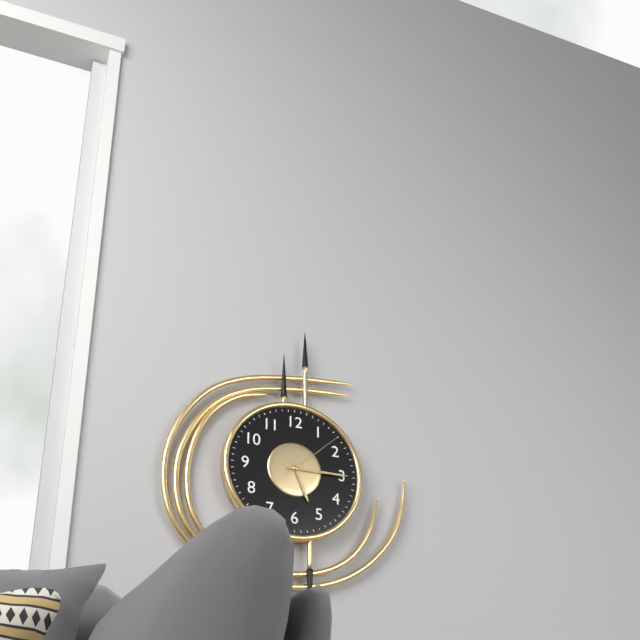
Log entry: 5,15,08
